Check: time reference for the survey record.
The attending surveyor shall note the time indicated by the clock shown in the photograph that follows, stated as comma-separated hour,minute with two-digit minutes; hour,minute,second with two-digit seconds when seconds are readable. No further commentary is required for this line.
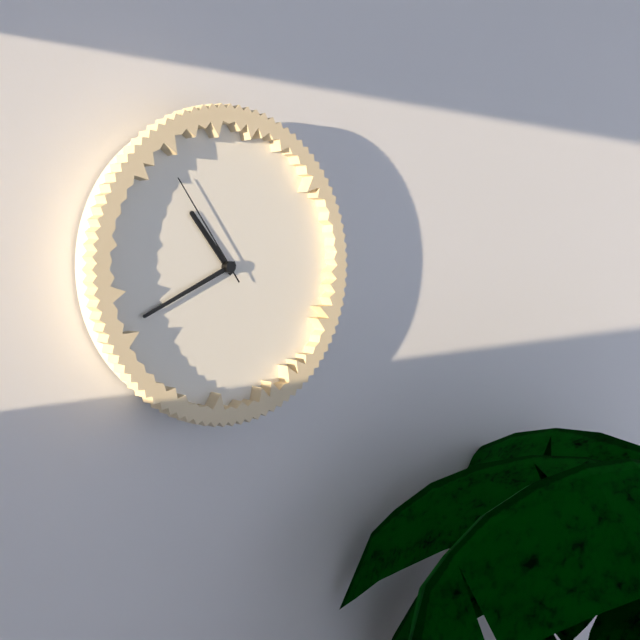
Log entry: 10,41,54
